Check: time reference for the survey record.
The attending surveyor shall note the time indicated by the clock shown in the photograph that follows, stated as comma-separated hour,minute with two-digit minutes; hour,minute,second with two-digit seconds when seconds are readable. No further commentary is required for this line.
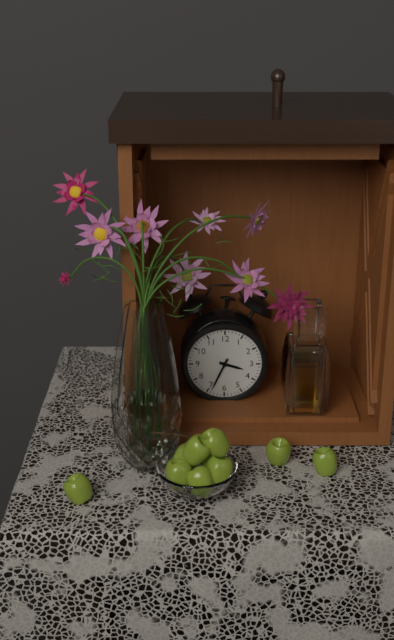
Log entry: 3,34
